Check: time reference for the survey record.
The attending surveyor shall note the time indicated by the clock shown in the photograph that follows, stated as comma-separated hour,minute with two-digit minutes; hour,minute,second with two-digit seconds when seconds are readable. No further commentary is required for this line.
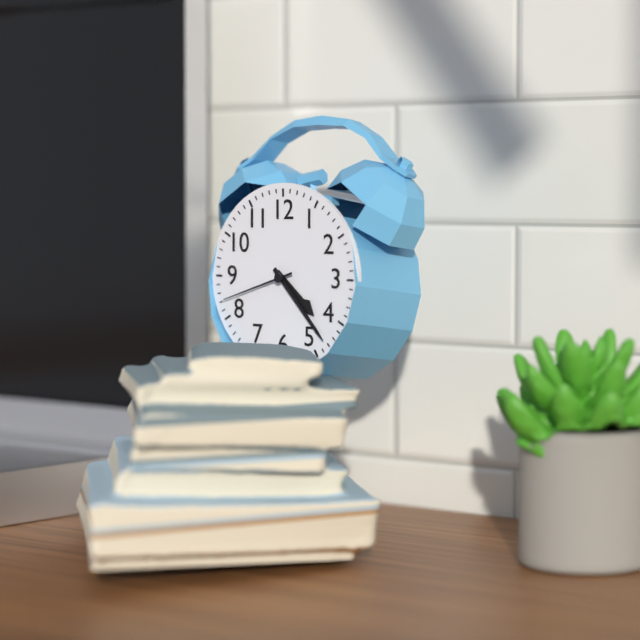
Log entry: 4,23,42
